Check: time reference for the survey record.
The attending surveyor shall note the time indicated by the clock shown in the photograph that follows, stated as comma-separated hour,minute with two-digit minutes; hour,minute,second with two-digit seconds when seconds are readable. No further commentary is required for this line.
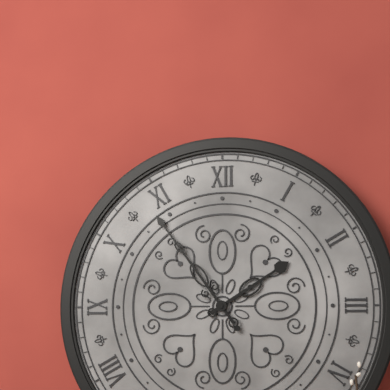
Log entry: 1,54
